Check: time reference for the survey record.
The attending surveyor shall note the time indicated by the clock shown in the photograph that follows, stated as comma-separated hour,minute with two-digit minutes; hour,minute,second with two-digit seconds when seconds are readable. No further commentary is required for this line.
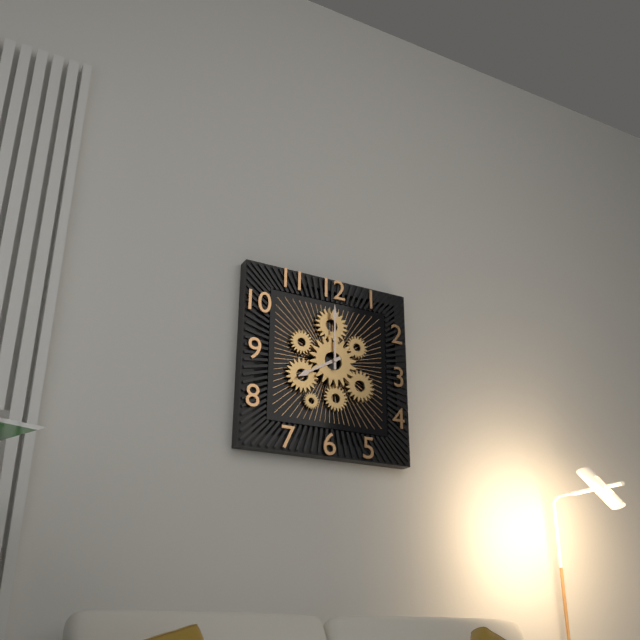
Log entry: 8,00
